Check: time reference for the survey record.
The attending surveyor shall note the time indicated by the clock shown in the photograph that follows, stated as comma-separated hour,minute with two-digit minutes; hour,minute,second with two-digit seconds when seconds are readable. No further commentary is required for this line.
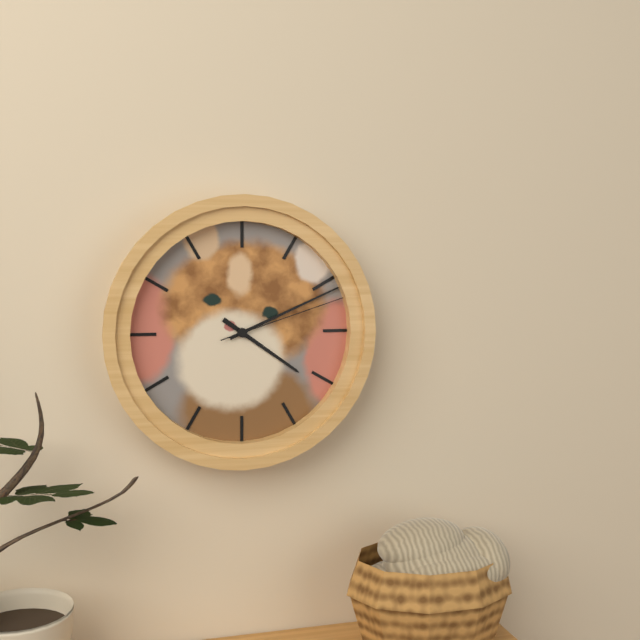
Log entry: 4,11,12
